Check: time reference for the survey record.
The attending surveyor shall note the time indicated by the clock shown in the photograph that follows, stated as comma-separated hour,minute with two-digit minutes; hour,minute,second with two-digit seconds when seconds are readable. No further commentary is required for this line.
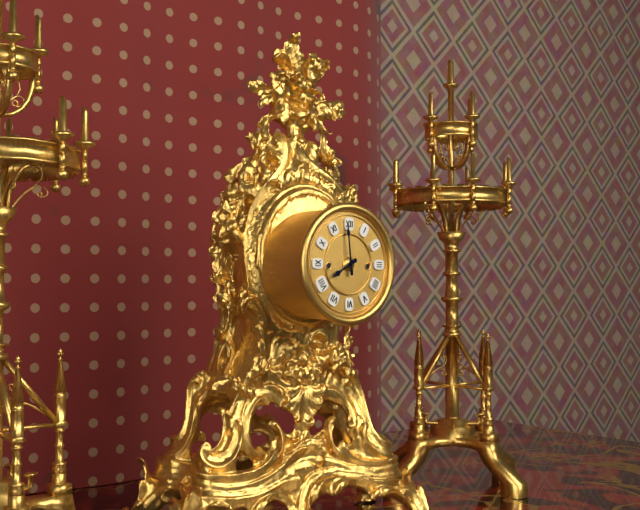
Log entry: 7,59
